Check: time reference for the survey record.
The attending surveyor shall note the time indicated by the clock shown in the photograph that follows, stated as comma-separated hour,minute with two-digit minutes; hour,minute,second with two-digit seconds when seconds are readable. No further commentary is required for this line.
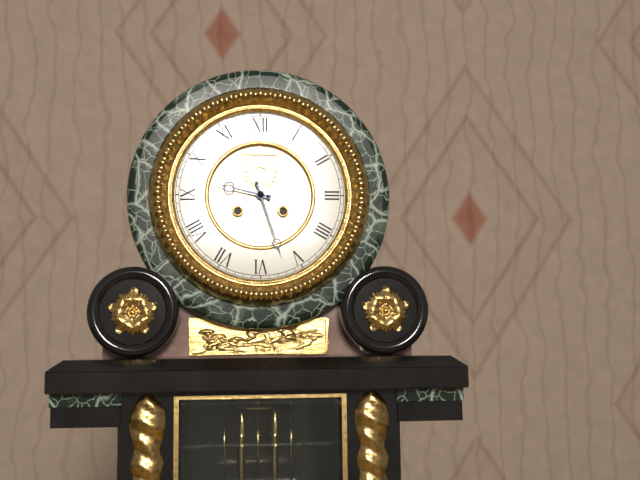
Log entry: 9,27
